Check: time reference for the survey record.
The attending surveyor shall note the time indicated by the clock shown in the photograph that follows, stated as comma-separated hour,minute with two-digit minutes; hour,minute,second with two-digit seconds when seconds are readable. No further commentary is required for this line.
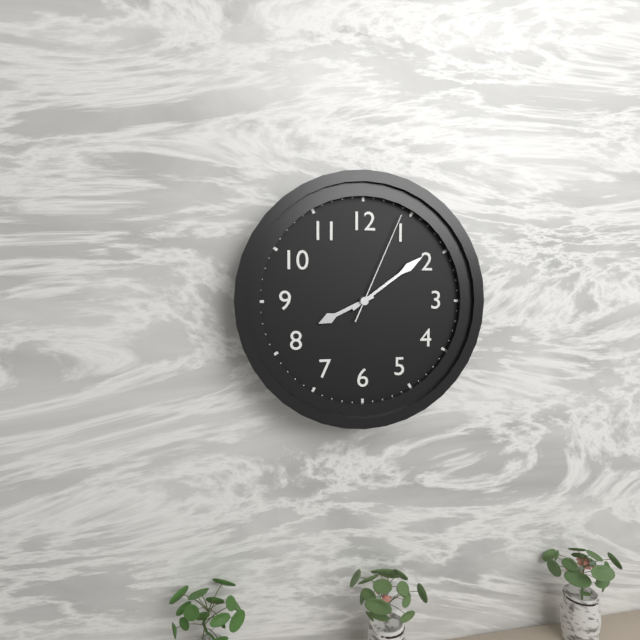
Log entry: 8,09,04
